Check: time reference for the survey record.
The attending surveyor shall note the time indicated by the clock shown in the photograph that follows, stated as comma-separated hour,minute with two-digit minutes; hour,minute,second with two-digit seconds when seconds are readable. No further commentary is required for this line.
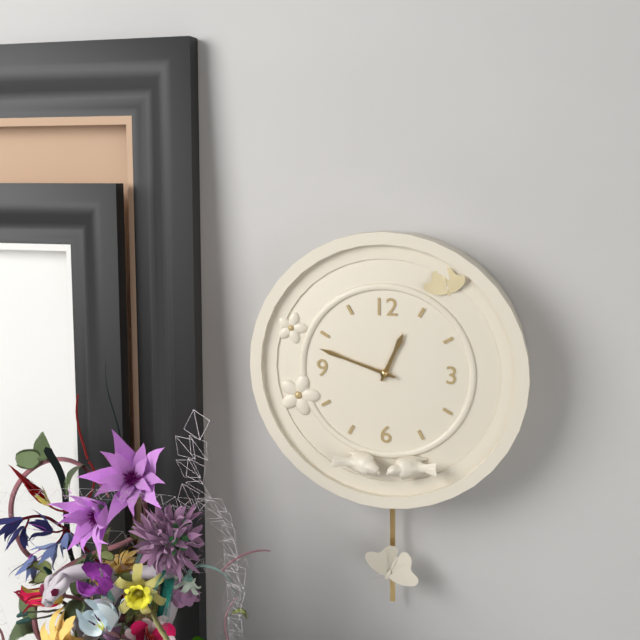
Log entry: 12,48
